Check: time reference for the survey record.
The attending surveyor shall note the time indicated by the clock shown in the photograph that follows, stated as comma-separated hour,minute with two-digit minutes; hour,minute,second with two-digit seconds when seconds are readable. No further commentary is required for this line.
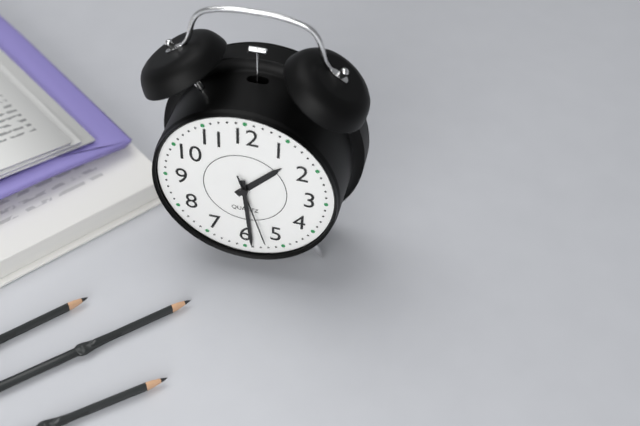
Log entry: 1,29,27
